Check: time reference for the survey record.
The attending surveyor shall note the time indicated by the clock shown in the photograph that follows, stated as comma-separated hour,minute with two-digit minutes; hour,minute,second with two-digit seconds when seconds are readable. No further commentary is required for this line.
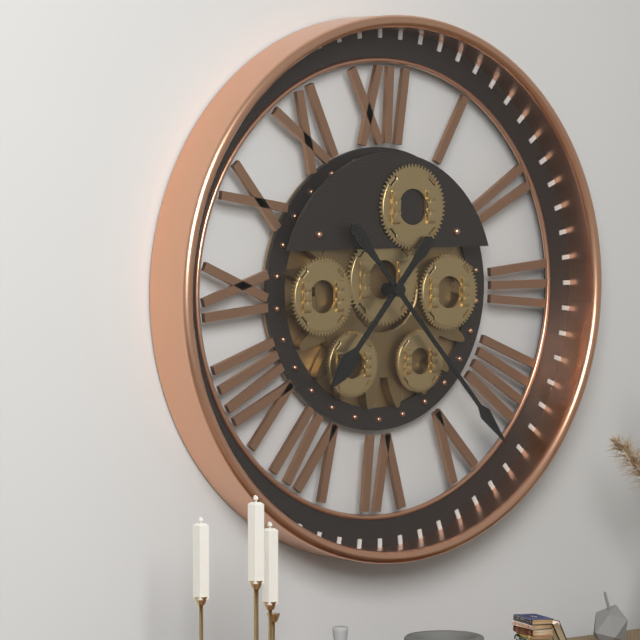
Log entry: 7,23
